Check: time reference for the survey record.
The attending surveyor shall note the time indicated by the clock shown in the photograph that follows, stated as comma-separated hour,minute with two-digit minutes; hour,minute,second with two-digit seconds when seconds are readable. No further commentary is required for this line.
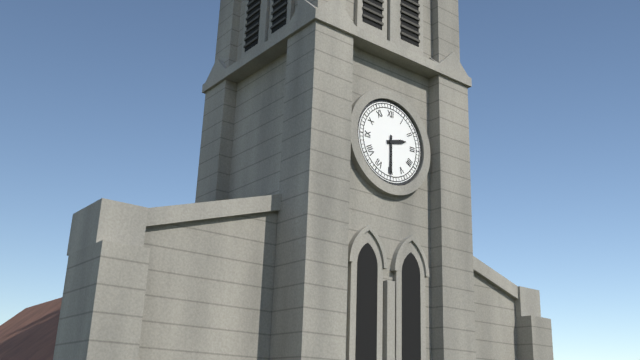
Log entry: 2,30
